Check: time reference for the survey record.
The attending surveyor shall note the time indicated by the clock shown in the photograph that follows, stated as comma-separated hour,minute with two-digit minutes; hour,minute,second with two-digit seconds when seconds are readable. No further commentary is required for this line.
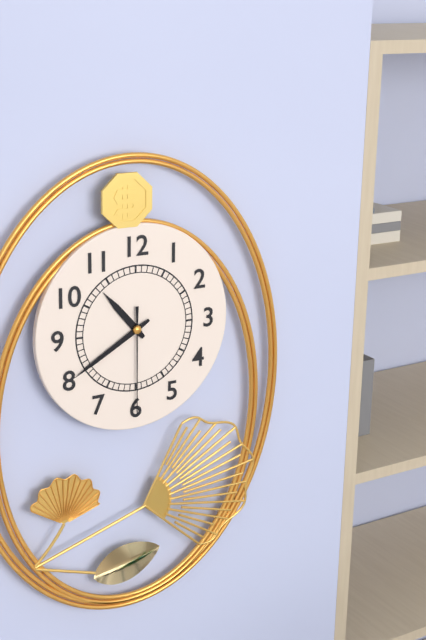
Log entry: 10,40,30
